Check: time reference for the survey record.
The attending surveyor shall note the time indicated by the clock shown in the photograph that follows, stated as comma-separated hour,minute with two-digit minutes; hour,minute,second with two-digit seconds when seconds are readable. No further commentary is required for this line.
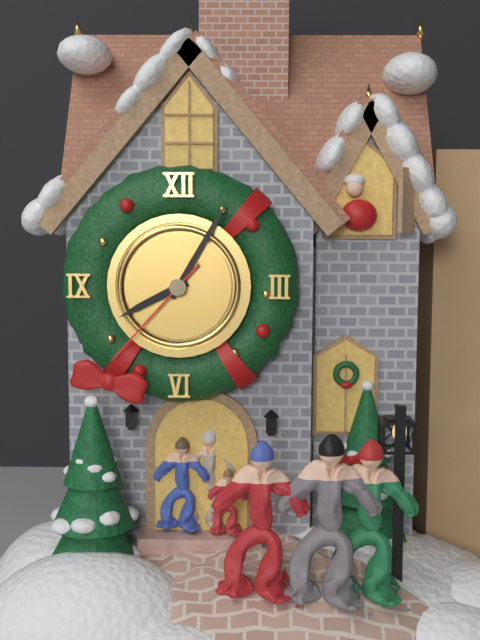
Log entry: 8,05,37
